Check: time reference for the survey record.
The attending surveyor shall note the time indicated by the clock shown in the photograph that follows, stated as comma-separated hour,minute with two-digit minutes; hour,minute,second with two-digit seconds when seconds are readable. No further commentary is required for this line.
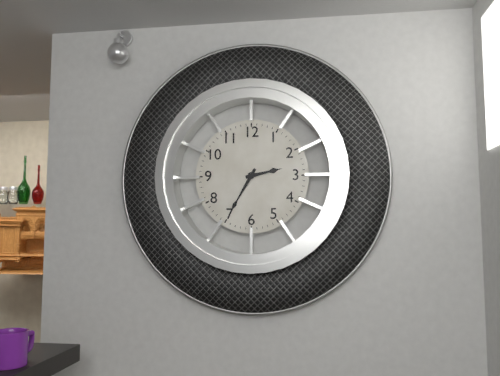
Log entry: 2,35
